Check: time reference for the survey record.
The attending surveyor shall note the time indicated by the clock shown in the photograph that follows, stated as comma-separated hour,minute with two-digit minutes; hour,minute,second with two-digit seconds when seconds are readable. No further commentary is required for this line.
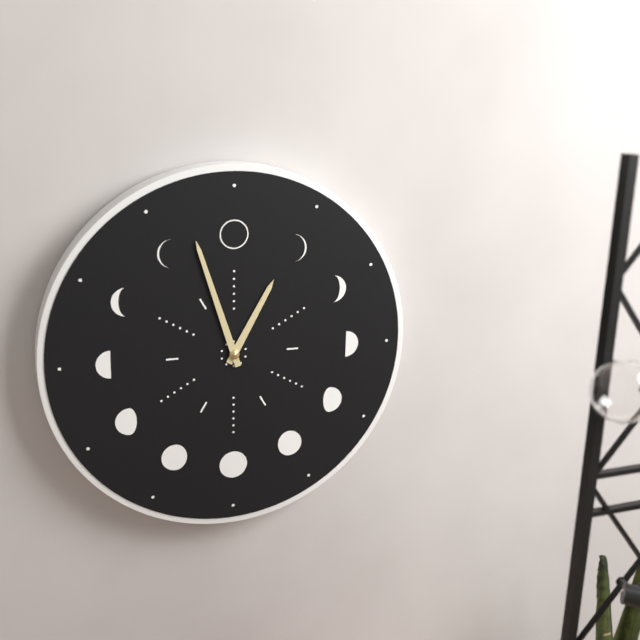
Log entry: 12,57
